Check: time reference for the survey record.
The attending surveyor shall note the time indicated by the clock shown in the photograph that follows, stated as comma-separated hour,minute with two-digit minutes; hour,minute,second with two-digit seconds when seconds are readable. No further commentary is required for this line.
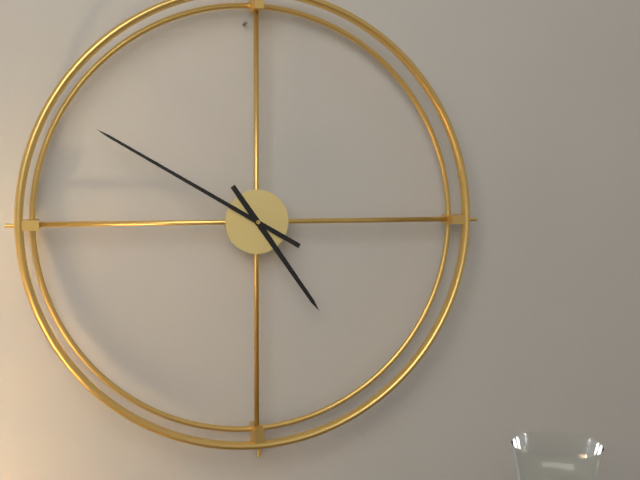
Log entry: 4,50
